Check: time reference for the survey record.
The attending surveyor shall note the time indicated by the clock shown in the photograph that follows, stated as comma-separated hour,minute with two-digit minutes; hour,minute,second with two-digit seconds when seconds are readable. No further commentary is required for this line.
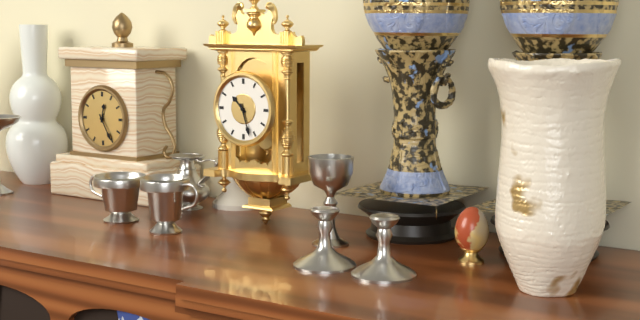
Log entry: 10,27
